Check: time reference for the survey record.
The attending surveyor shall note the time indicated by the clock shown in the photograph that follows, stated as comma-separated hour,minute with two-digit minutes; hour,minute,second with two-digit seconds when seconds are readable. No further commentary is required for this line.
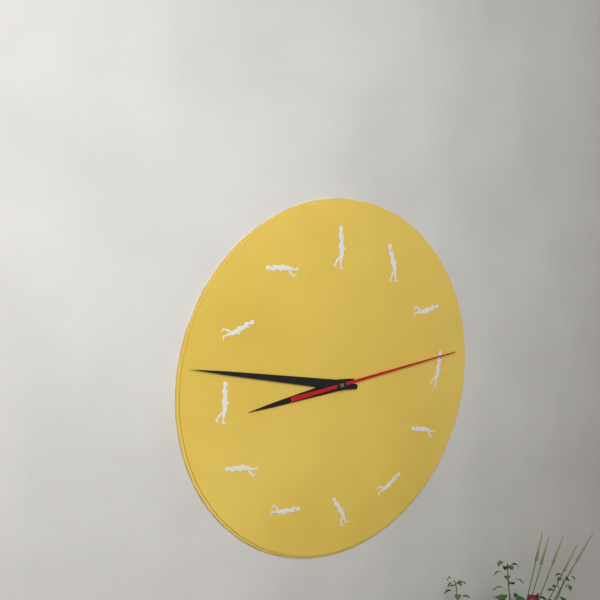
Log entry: 8,47,14
